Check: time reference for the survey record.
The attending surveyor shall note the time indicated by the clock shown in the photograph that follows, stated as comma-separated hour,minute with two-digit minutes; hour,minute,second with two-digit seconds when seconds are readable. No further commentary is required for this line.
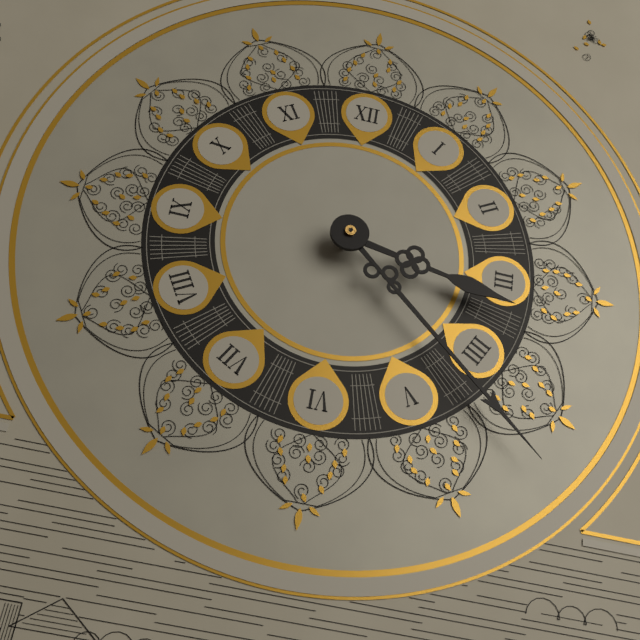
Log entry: 3,22
